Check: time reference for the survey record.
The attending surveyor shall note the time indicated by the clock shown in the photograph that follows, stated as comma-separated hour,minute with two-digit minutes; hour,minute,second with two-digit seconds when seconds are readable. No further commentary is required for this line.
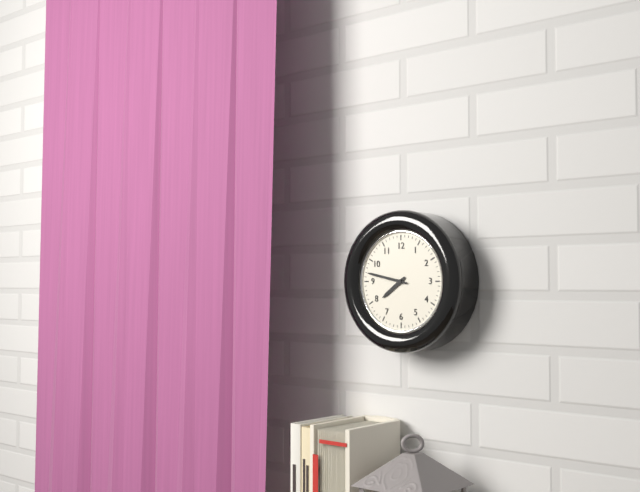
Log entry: 7,47
